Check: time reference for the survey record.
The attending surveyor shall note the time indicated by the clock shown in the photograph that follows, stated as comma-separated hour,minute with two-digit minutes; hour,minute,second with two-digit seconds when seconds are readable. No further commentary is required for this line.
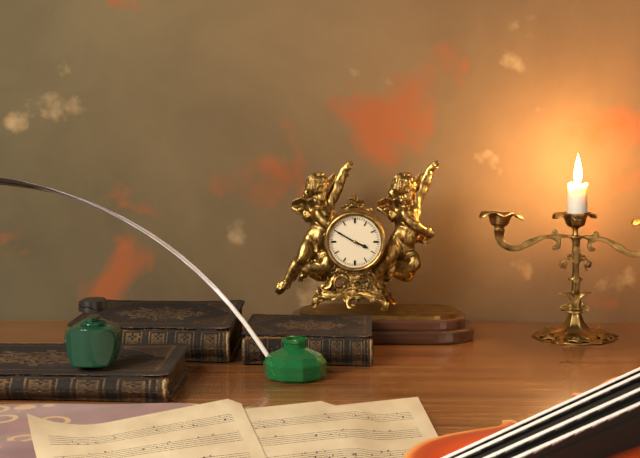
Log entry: 3,50
